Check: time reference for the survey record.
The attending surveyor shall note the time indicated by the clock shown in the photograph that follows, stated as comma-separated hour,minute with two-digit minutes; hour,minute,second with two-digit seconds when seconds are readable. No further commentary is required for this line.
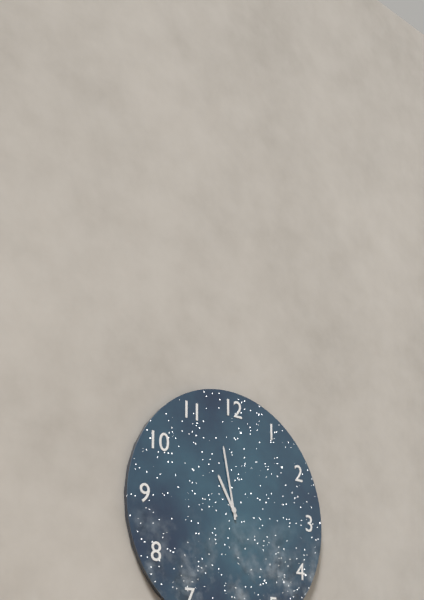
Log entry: 10,58
